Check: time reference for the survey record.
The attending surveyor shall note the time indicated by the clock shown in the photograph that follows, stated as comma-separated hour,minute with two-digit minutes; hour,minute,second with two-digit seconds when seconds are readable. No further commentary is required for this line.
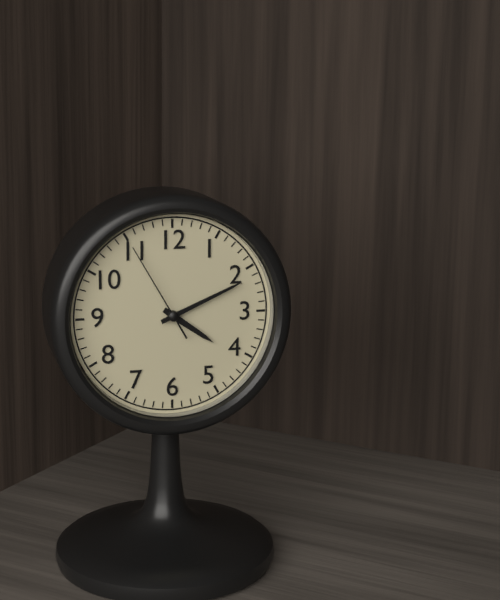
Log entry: 4,11,55
